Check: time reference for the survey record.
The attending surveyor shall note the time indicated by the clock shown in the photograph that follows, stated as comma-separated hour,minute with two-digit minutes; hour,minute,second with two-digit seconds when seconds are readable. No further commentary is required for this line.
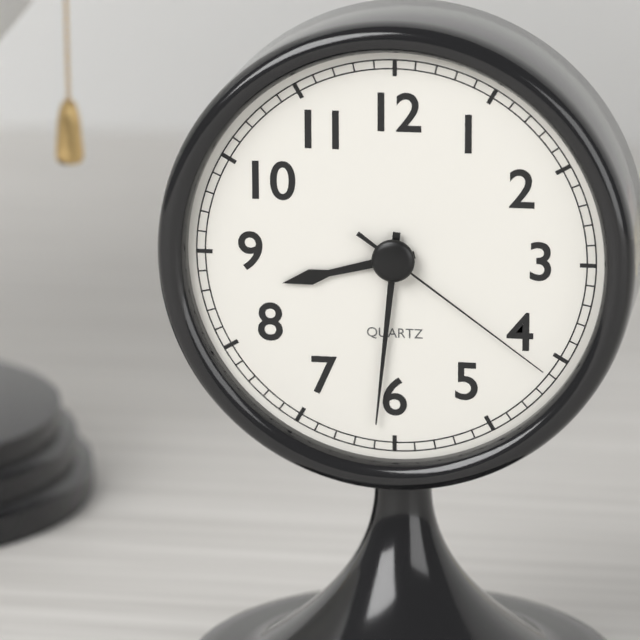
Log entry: 8,31,21
